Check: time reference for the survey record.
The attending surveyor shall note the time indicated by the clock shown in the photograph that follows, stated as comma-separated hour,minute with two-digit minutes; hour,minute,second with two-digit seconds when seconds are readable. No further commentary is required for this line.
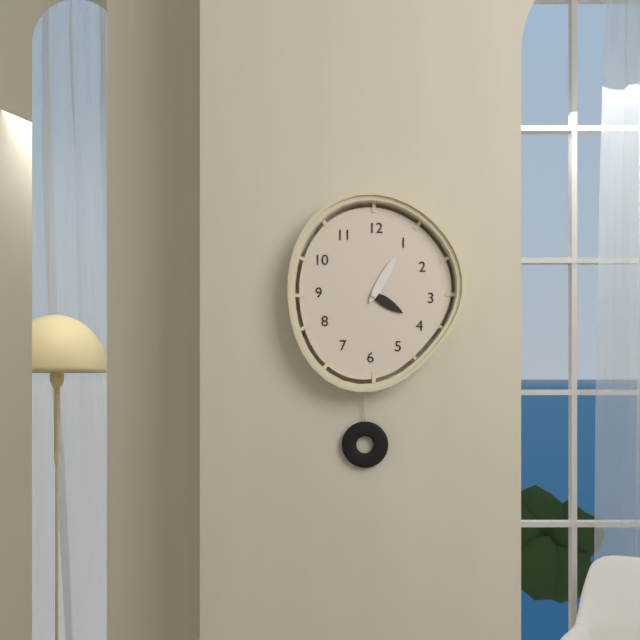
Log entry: 4,05
